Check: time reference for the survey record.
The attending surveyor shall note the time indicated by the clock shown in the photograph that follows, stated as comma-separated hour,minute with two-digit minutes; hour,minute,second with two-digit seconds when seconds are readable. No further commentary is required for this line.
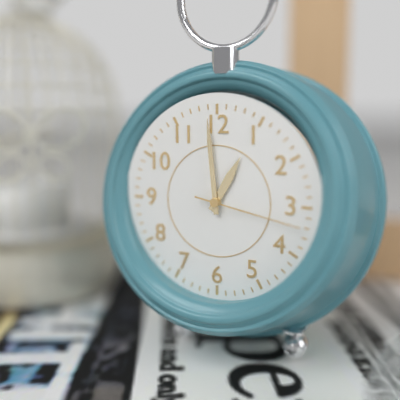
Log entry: 12,59,17
